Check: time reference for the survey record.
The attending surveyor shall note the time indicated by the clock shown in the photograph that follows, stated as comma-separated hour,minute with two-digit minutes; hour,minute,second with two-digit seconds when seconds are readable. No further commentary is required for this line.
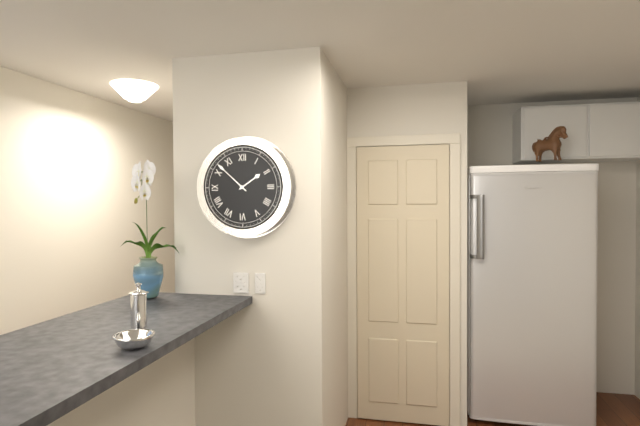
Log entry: 1,52
